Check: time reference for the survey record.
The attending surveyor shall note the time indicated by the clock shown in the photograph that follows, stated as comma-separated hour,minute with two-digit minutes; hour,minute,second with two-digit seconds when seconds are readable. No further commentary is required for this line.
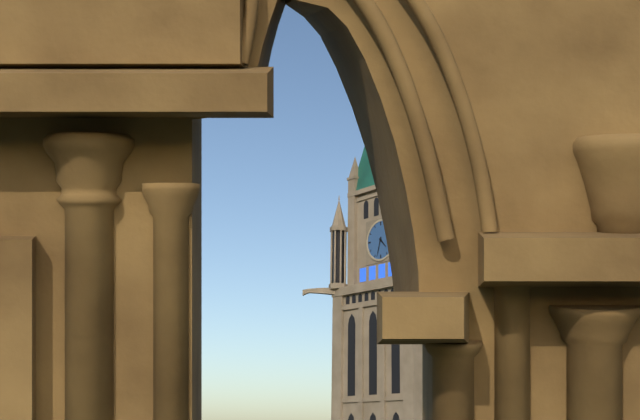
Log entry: 4,33
